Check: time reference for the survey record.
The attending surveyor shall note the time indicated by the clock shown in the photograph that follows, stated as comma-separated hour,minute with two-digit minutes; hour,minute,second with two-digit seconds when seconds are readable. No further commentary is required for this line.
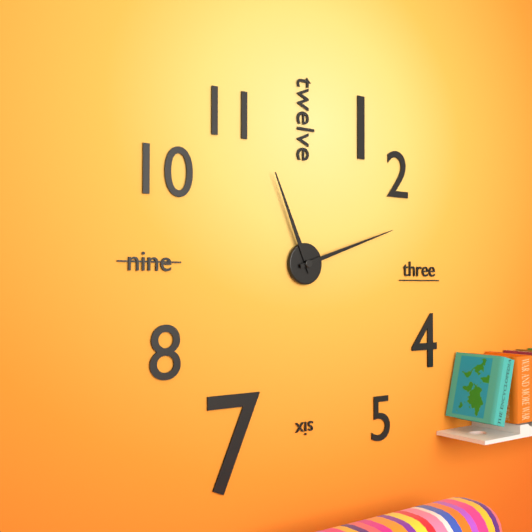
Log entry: 11,12
